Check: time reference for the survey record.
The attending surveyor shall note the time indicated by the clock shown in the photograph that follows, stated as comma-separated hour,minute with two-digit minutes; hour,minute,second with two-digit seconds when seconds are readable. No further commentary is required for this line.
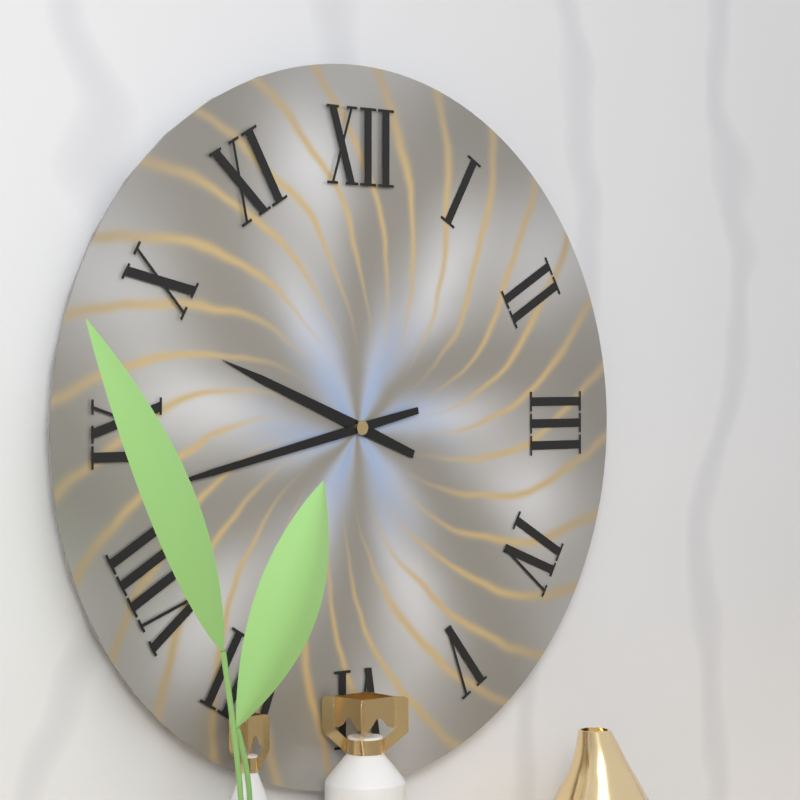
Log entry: 9,43
